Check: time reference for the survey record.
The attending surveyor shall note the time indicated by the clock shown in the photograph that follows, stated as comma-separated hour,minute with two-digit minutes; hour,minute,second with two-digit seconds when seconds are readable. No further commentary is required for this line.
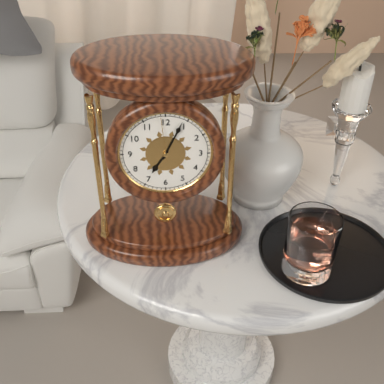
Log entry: 7,04
